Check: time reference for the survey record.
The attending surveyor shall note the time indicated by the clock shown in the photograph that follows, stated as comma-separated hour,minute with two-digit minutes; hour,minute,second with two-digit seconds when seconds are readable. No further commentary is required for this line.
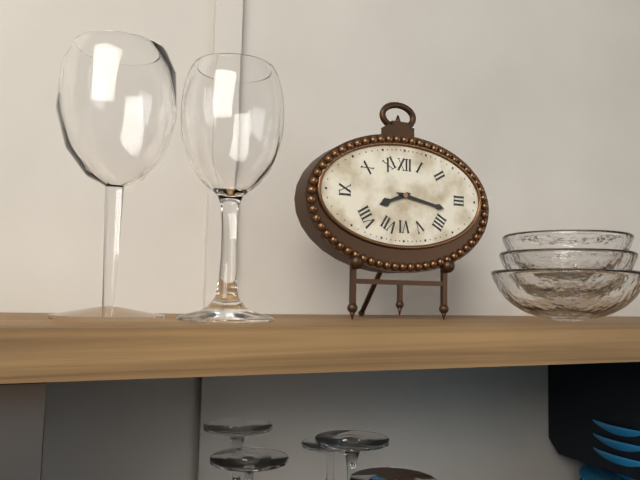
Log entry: 8,17
